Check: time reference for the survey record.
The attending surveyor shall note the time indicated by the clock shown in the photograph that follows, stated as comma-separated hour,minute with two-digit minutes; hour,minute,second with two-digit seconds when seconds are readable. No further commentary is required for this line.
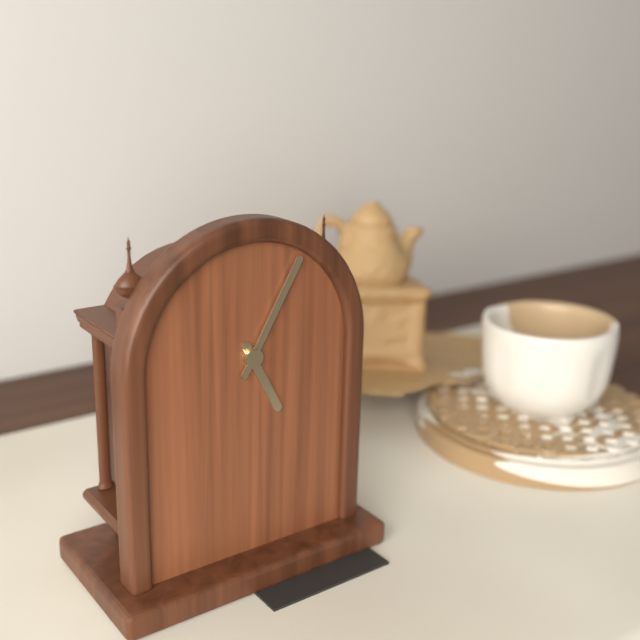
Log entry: 5,05
